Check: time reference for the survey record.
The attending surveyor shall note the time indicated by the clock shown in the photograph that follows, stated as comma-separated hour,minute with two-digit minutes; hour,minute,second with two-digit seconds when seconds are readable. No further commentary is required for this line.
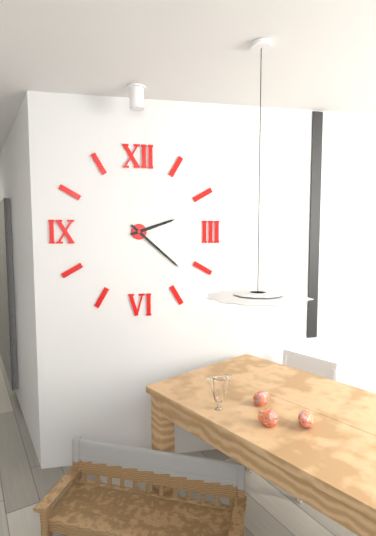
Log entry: 2,22
